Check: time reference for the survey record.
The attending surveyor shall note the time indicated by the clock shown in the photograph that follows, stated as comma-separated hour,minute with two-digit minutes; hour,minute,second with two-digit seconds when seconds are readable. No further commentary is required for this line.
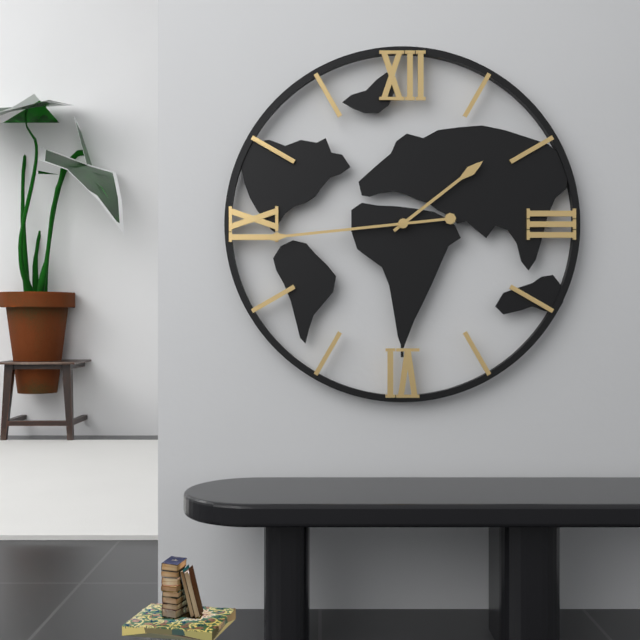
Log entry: 1,44
